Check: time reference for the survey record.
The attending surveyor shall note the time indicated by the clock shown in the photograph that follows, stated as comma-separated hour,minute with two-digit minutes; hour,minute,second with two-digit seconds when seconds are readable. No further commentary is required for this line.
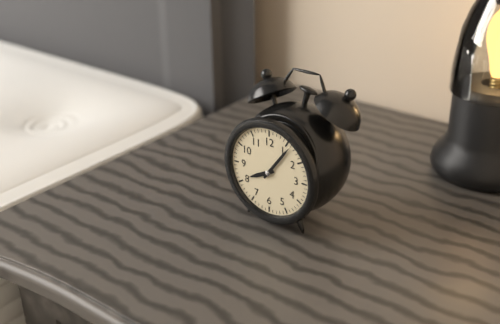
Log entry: 8,06
